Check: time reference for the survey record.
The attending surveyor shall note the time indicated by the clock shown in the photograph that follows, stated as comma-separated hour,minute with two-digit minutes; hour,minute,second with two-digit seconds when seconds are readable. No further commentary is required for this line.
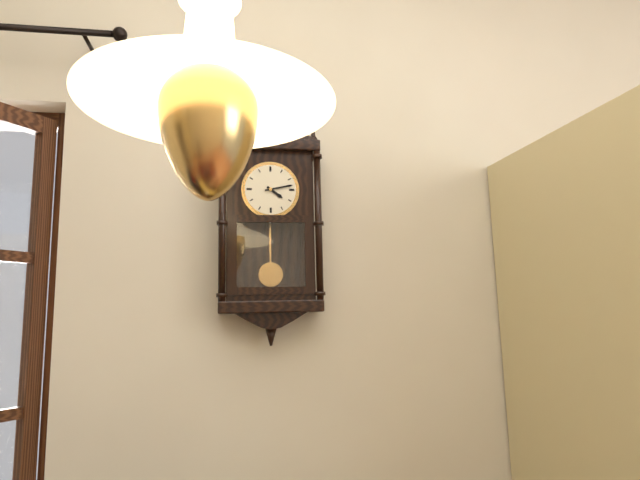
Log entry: 4,13
